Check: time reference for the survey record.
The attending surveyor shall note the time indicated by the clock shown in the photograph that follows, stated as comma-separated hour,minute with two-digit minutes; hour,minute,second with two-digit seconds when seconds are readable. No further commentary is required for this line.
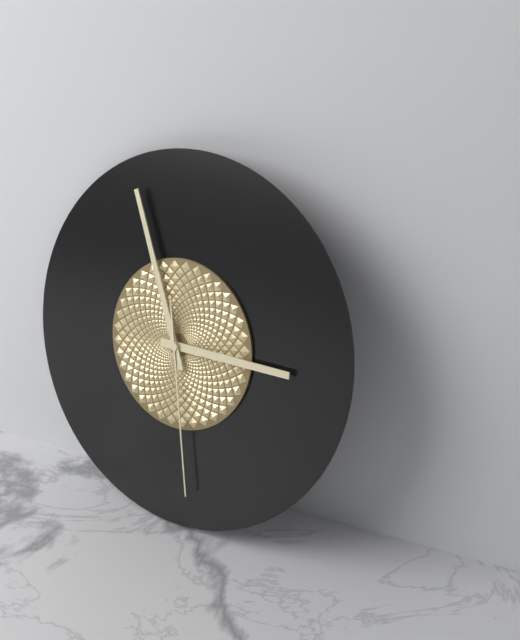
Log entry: 2,56,28
